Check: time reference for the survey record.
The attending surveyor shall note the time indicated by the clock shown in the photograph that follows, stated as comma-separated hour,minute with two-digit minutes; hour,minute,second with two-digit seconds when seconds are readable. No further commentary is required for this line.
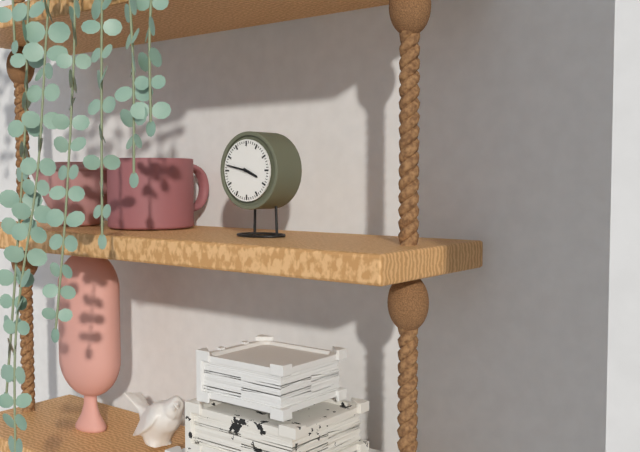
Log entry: 3,47
